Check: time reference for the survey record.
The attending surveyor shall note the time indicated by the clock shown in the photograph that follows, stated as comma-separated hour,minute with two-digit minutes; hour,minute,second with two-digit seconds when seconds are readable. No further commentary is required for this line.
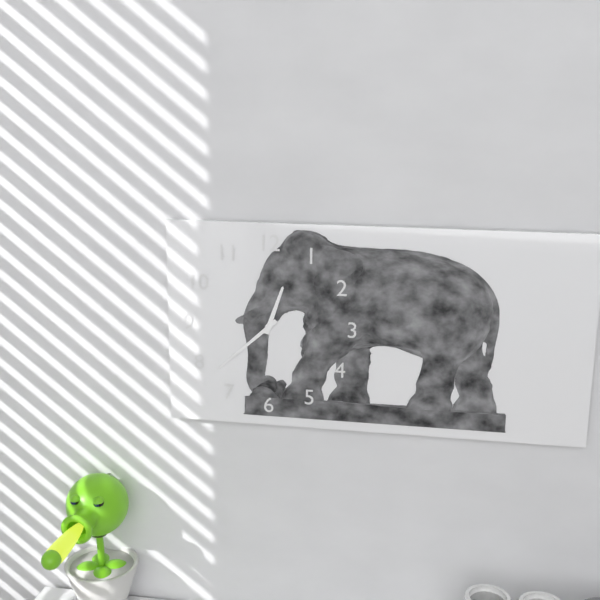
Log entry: 12,38
